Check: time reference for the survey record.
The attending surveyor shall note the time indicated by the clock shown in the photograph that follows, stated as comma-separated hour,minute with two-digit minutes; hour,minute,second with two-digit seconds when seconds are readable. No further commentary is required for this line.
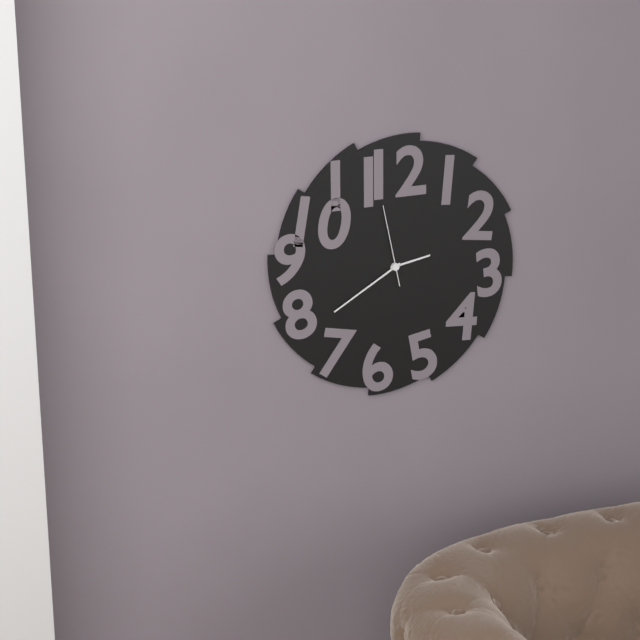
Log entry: 2,40,58
